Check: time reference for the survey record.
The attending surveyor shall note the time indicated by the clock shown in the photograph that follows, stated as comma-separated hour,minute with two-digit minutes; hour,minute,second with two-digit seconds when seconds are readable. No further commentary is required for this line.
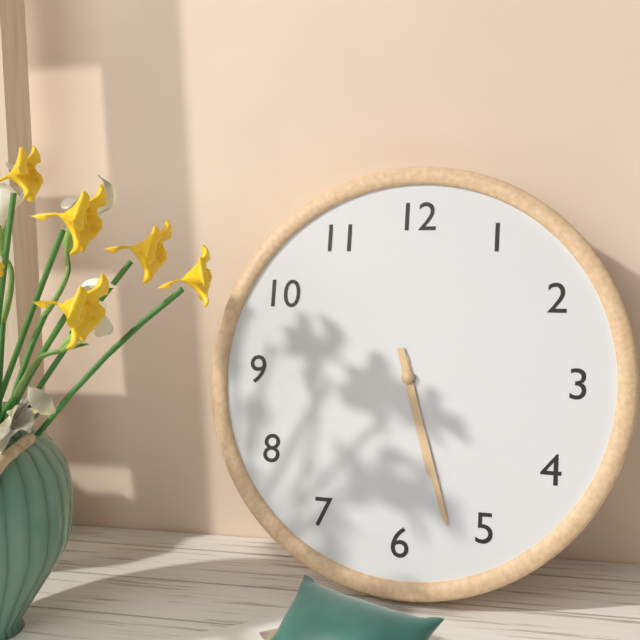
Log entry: 5,27
